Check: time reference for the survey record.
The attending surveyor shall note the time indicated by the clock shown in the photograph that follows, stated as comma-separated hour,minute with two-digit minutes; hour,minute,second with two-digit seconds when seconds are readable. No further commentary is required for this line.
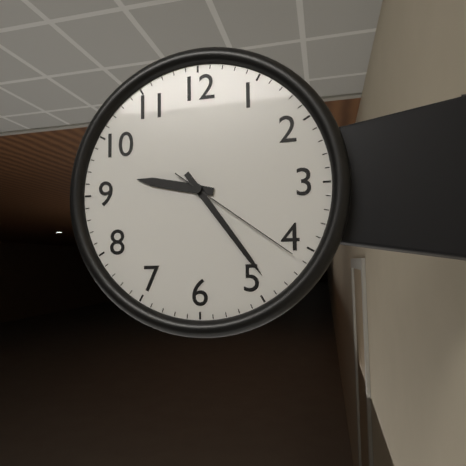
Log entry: 9,24,21
